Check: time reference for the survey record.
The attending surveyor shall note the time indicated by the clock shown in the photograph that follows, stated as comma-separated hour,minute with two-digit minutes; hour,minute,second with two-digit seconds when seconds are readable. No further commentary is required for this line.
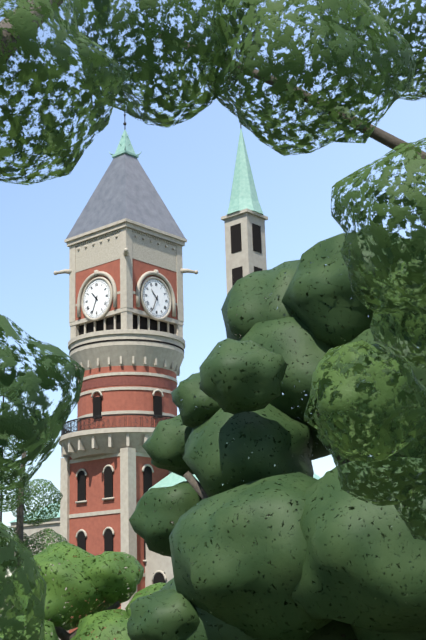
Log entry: 10,34
